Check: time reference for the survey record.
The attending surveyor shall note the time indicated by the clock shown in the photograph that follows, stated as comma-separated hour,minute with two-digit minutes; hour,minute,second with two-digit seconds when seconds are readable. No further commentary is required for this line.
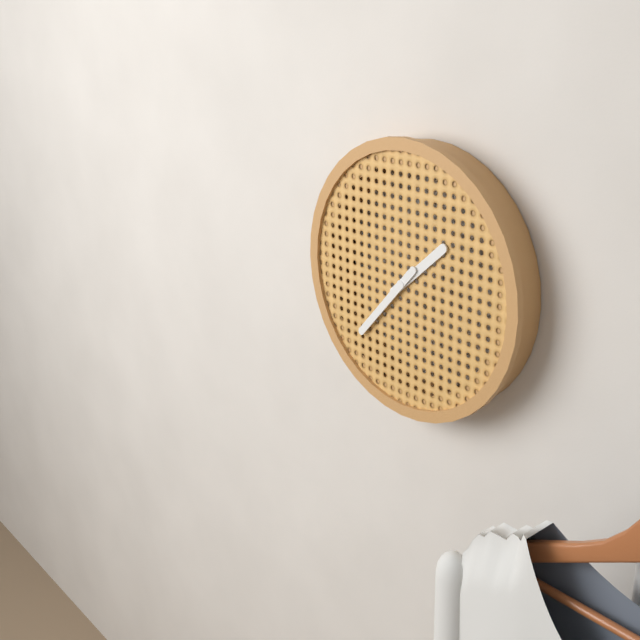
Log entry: 1,37
